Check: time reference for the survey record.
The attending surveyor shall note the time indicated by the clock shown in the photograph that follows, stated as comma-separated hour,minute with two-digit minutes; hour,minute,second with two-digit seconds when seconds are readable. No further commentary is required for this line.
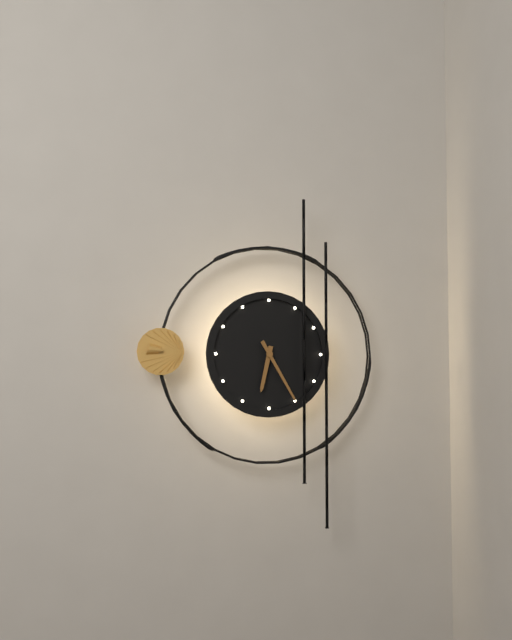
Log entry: 6,25
